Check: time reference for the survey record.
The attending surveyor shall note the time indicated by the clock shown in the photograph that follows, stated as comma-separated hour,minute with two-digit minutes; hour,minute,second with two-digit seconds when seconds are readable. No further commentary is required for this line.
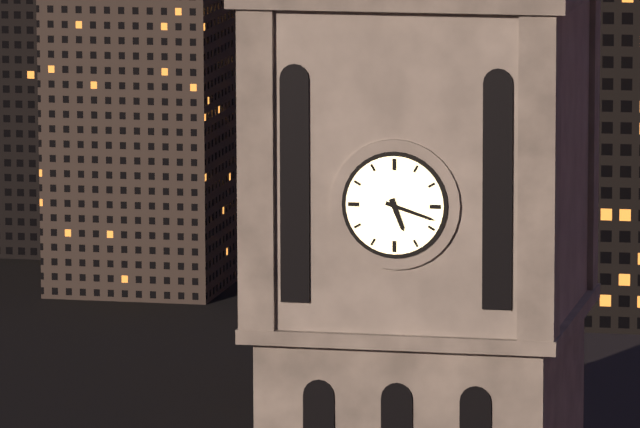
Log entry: 5,18
